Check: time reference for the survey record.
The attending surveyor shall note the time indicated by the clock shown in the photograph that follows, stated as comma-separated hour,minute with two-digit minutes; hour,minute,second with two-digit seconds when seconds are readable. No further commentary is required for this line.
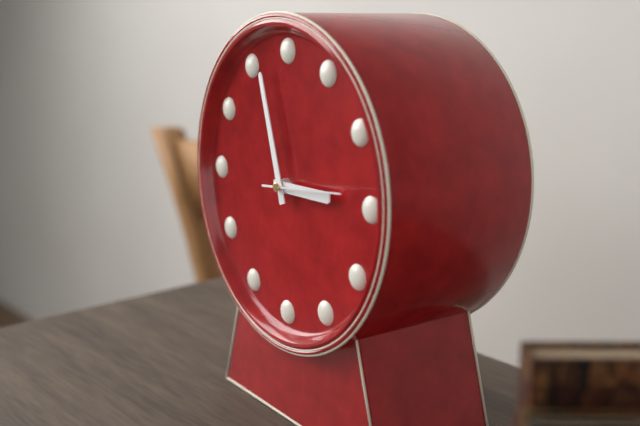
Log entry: 2,57,14
